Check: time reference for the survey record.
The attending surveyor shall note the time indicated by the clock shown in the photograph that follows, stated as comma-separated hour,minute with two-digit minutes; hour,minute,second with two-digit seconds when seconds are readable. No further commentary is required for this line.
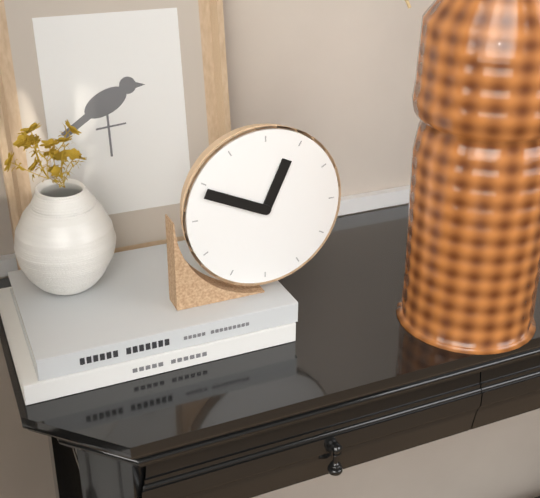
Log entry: 12,49
